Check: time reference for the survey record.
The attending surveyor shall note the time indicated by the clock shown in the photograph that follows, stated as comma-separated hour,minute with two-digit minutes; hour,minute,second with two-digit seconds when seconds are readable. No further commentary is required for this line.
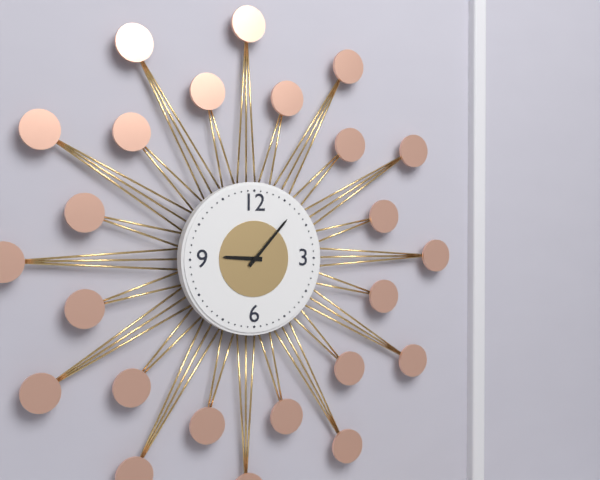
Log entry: 9,07
